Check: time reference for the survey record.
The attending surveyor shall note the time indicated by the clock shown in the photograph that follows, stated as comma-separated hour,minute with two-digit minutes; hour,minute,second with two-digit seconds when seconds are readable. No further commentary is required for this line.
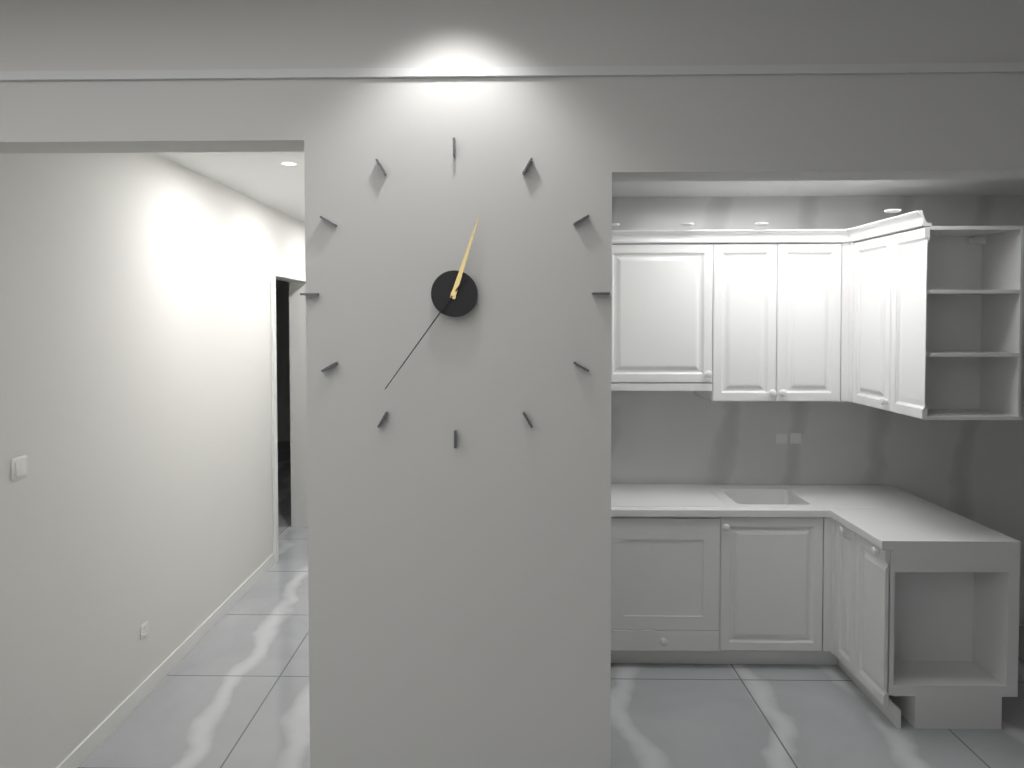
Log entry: 12,36
